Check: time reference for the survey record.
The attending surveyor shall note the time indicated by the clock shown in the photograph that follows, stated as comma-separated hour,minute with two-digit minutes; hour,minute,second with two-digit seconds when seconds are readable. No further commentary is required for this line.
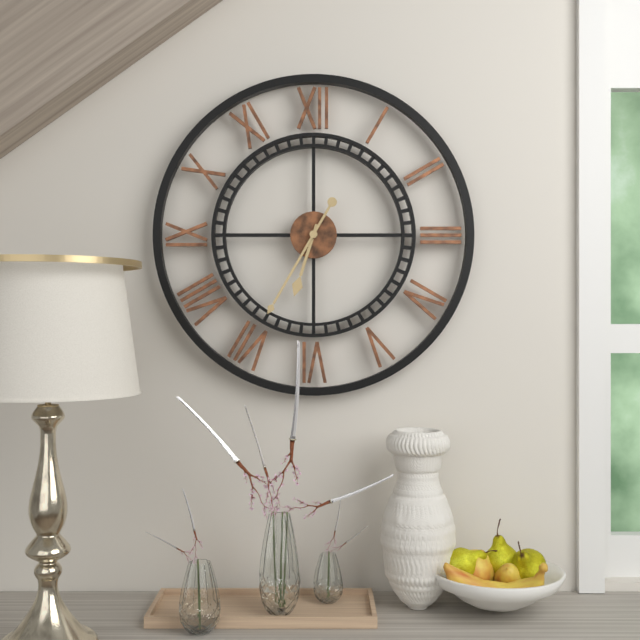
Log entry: 6,35
